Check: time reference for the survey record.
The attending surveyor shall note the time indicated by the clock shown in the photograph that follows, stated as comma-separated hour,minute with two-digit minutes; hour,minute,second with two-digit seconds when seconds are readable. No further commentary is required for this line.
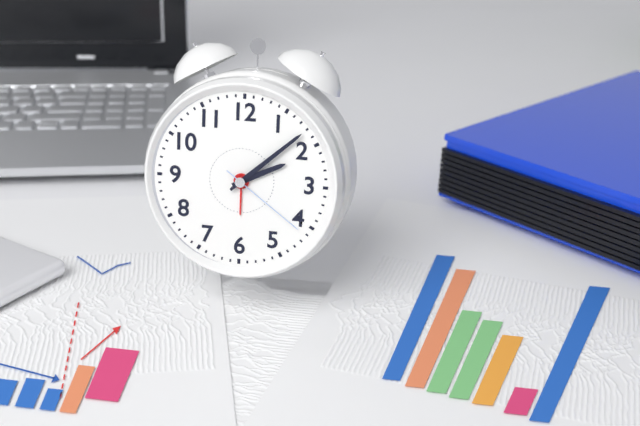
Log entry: 2,08,21
